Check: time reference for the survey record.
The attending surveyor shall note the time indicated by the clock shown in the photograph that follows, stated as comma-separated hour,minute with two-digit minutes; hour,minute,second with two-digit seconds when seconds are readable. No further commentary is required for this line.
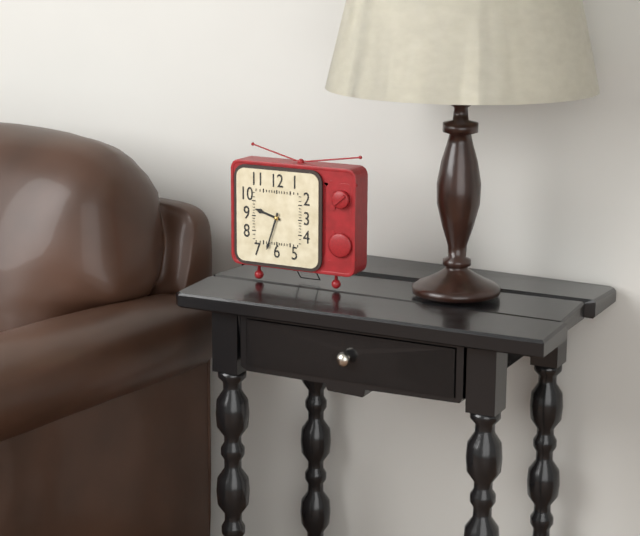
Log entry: 9,33
